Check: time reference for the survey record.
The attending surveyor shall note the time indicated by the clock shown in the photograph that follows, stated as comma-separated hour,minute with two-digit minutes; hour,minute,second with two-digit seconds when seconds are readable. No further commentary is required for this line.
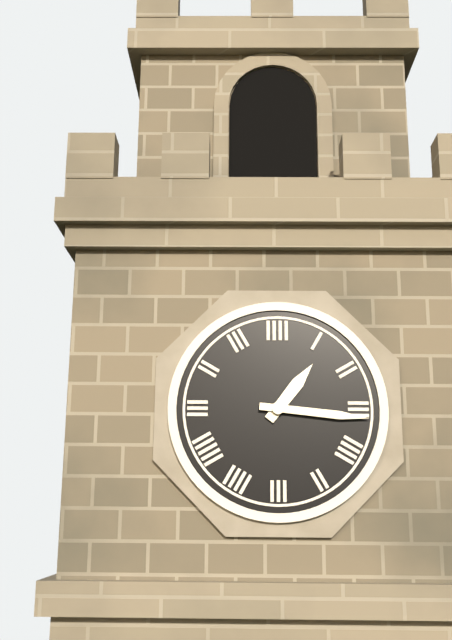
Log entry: 1,16
